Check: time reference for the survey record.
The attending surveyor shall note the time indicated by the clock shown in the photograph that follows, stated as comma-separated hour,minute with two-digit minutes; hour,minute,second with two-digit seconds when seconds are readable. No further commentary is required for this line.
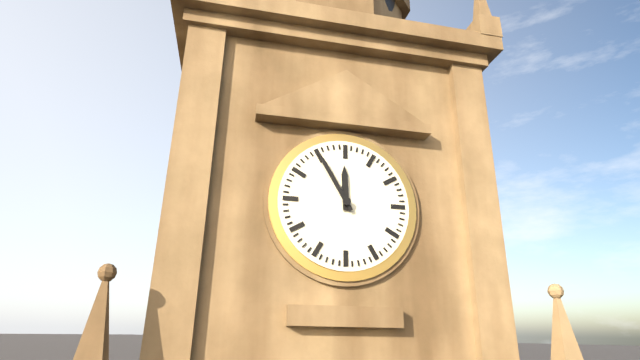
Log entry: 11,55
